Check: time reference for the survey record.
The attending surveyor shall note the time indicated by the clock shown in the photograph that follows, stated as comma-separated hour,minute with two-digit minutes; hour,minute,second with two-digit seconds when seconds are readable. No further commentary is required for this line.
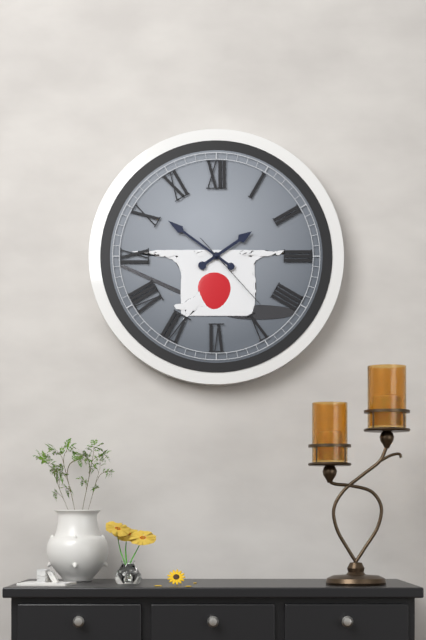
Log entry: 1,51,23
